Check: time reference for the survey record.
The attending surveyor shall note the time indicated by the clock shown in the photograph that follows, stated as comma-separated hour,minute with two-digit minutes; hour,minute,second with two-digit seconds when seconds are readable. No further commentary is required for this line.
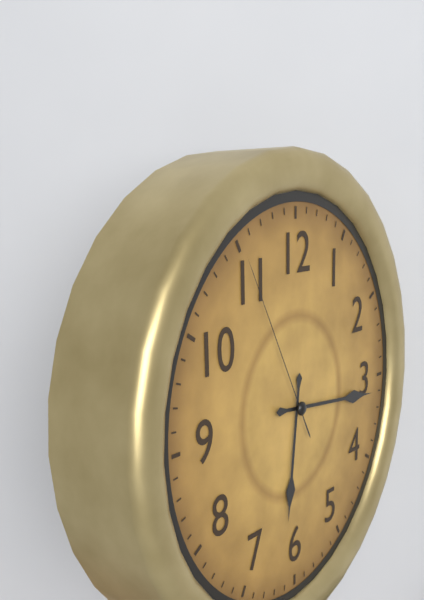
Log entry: 6,16,55
